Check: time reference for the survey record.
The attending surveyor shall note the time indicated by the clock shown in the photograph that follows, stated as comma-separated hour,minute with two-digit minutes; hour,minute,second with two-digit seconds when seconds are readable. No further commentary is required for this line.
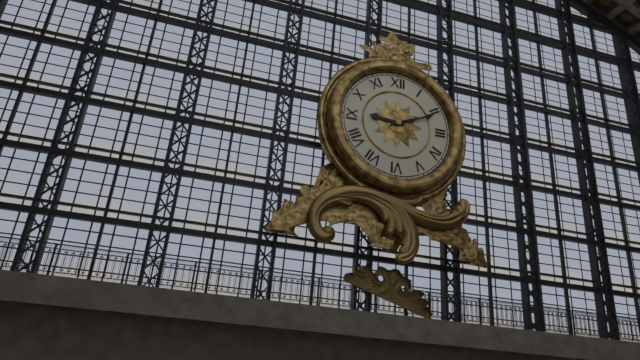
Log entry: 9,11
